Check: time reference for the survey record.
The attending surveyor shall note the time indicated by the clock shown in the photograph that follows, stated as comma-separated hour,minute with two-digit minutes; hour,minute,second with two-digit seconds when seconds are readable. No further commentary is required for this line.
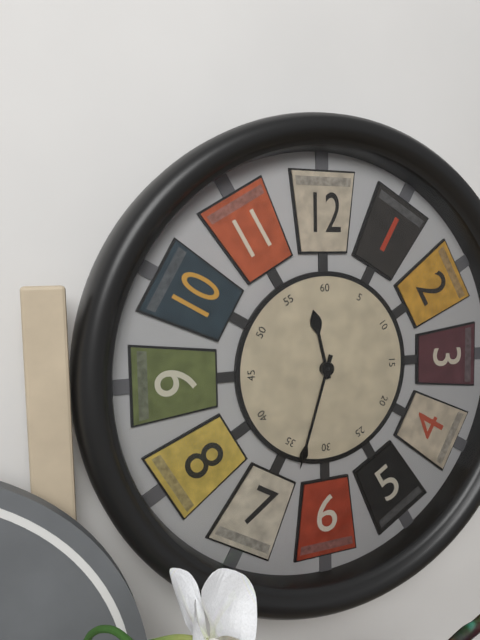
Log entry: 11,33
